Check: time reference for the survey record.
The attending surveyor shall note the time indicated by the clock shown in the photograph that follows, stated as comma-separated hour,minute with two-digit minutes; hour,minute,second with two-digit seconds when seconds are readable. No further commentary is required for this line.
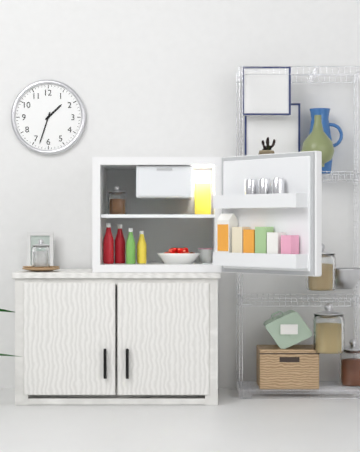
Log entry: 1,33
